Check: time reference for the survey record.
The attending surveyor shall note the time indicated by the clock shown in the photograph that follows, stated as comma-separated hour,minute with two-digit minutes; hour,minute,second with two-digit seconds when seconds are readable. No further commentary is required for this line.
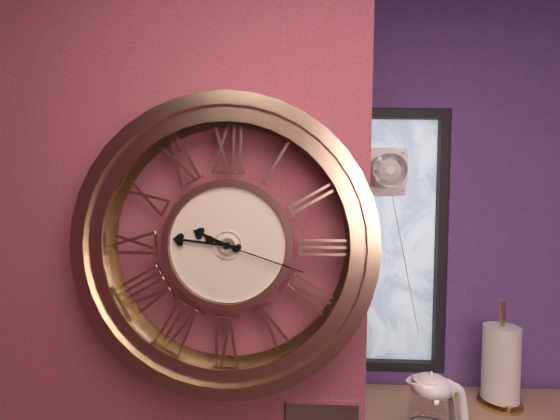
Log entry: 9,46,18
